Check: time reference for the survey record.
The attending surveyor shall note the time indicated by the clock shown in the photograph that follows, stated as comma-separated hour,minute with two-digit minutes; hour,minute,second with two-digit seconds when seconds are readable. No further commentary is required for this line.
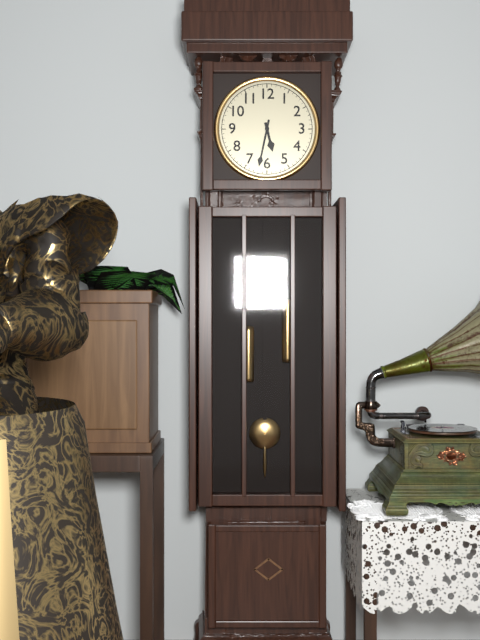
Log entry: 5,32
